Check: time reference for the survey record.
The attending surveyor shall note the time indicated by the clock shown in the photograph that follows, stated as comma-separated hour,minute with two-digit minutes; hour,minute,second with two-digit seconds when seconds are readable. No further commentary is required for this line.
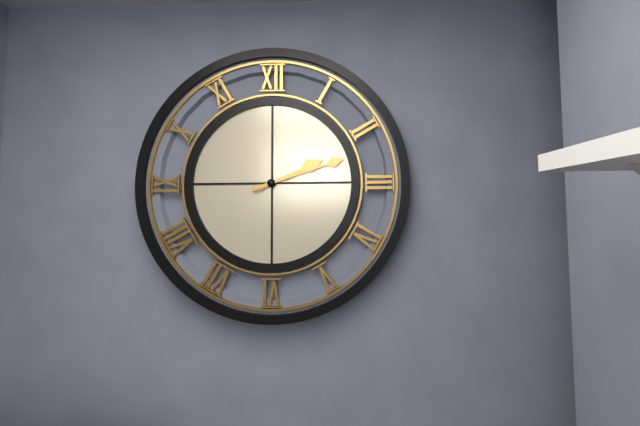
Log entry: 2,12
